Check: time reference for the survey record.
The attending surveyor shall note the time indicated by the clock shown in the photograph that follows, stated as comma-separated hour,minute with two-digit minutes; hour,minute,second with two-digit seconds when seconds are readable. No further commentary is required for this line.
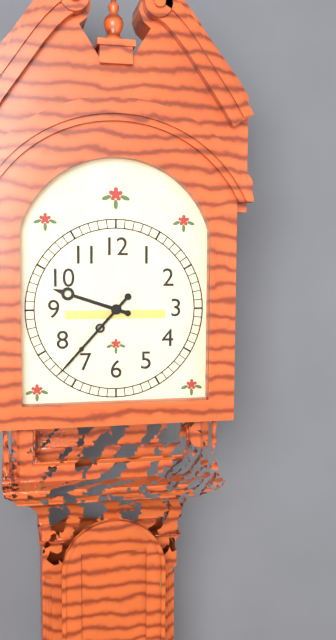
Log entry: 9,37
